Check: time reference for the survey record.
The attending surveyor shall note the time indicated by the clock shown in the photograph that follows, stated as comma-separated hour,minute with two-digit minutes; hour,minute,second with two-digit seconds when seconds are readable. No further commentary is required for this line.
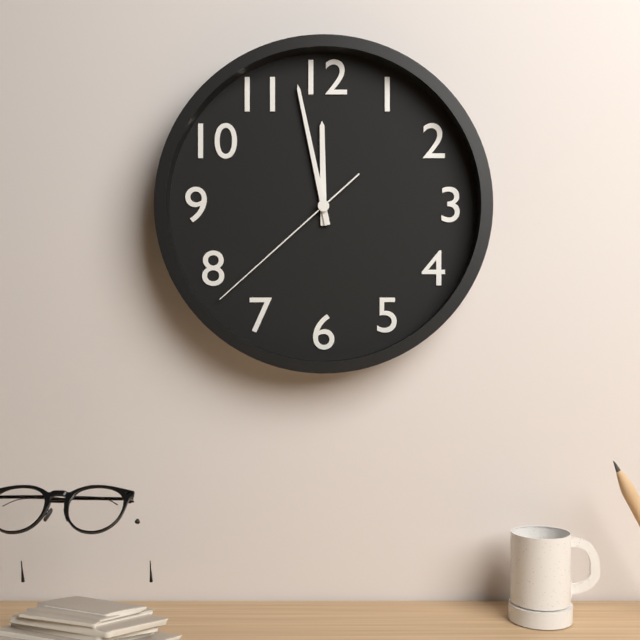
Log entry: 11,58,38
